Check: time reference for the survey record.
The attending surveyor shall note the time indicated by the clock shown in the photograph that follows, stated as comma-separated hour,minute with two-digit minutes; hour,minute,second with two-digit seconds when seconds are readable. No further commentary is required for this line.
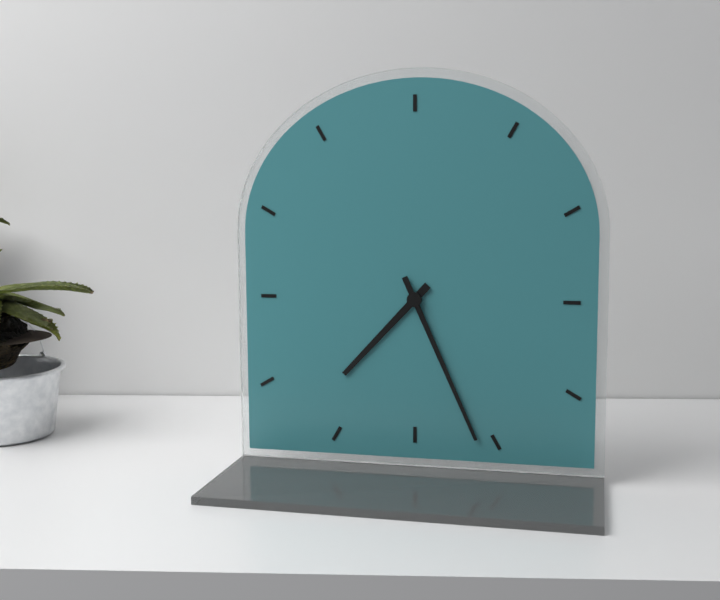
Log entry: 7,26
